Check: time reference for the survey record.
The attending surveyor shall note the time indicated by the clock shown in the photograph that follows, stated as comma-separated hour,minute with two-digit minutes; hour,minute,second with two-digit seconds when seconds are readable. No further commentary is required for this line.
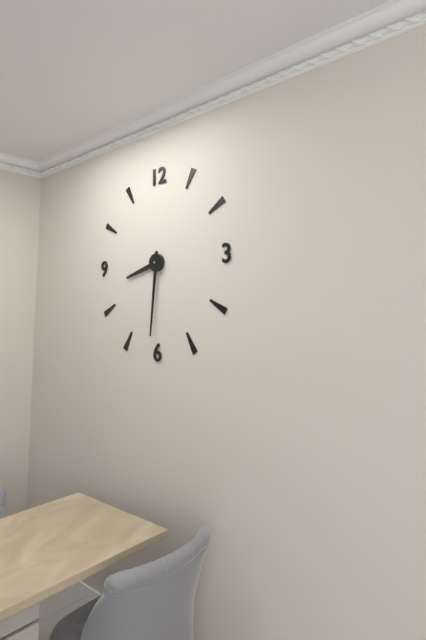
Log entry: 8,31
